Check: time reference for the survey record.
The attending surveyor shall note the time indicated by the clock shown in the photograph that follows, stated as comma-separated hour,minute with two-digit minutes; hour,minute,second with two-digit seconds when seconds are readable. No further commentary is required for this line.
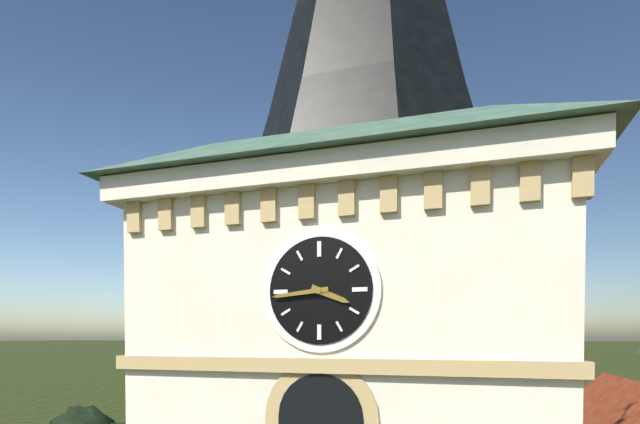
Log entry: 3,44
